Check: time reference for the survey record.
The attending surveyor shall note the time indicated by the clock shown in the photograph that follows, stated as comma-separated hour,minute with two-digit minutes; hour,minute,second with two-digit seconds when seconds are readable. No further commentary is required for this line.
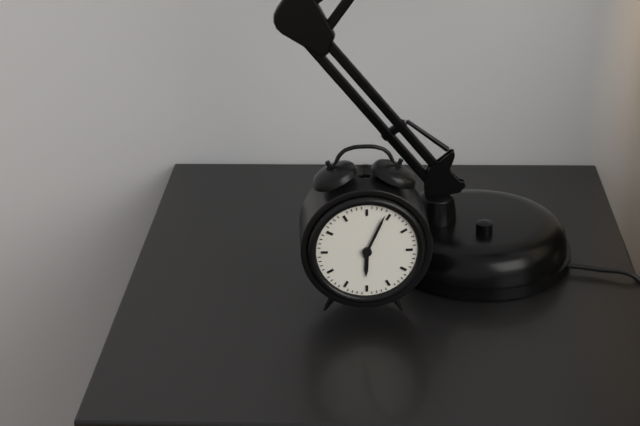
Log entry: 6,04
